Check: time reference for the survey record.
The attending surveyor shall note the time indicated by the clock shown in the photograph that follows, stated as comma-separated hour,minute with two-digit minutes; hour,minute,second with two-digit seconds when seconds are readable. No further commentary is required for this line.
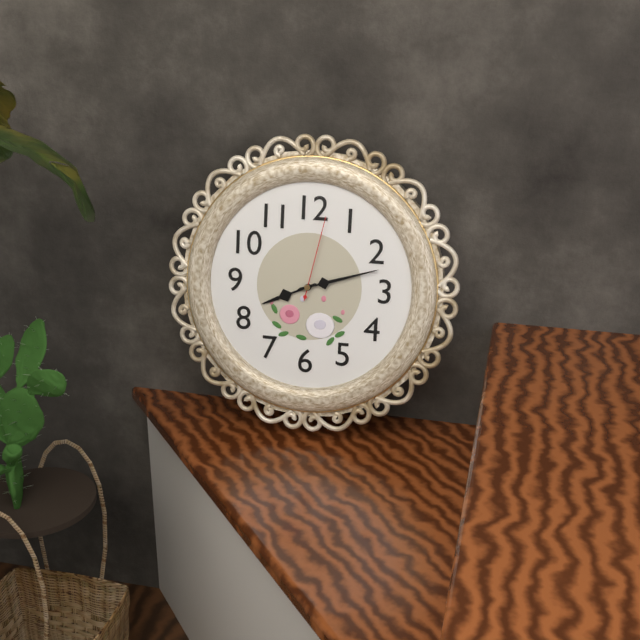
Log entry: 8,12,02
